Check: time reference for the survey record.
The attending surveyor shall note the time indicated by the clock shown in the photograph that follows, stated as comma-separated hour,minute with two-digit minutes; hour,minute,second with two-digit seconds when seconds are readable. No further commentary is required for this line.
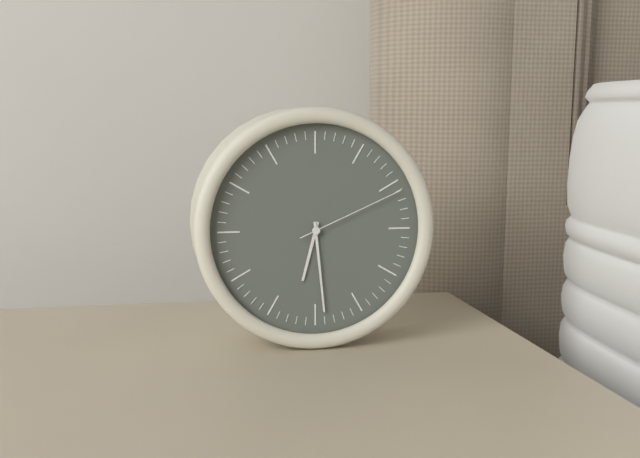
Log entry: 6,29,11
